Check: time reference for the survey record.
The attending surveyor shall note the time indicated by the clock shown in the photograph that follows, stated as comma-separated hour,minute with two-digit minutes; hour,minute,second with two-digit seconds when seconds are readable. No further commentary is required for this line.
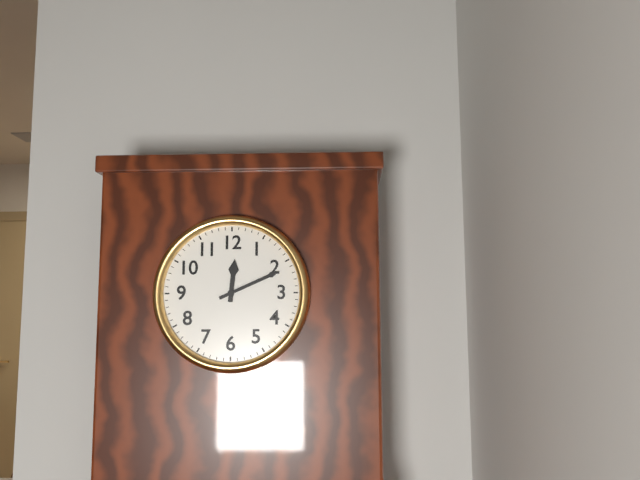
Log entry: 12,11
